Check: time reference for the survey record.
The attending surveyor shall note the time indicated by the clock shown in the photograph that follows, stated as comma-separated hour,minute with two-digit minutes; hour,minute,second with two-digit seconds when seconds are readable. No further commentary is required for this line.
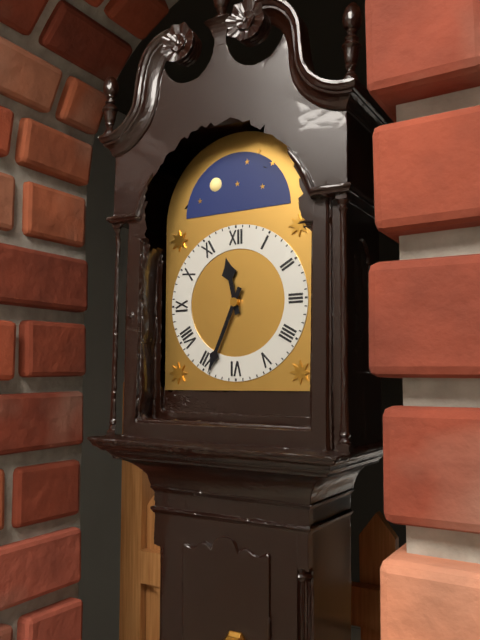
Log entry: 11,34
